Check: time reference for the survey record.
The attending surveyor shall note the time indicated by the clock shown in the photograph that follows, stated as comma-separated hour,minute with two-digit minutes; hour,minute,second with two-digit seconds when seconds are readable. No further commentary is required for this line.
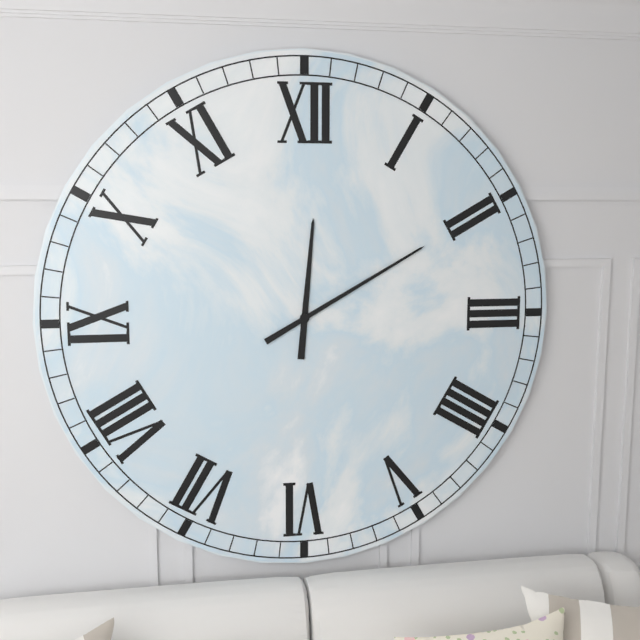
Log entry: 12,10
